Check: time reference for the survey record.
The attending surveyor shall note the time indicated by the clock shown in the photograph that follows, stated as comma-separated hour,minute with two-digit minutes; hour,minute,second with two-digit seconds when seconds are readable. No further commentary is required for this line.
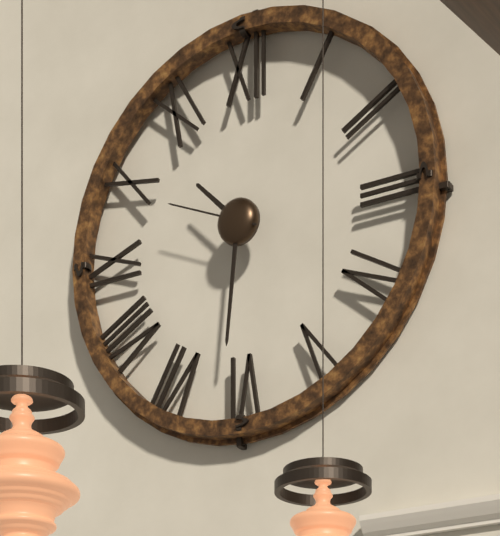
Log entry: 10,31,49
